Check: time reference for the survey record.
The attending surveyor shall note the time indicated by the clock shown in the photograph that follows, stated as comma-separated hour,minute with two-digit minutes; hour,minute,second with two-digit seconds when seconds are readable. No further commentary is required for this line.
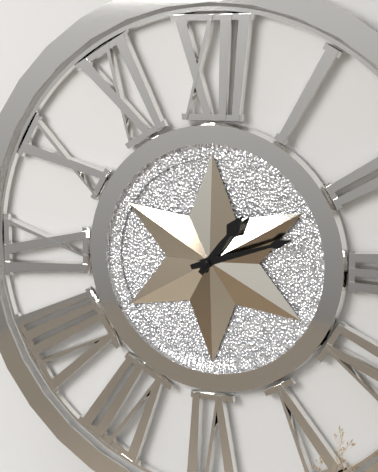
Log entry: 1,12
